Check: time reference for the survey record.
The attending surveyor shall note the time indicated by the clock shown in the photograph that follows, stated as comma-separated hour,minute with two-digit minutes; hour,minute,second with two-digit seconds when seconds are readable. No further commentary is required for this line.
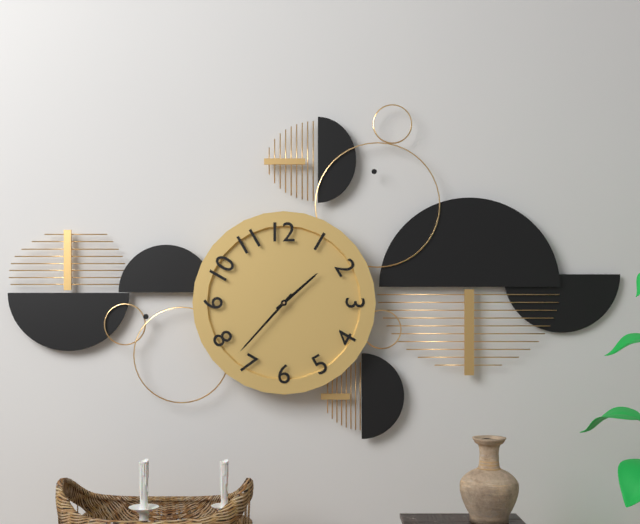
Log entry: 1,37
